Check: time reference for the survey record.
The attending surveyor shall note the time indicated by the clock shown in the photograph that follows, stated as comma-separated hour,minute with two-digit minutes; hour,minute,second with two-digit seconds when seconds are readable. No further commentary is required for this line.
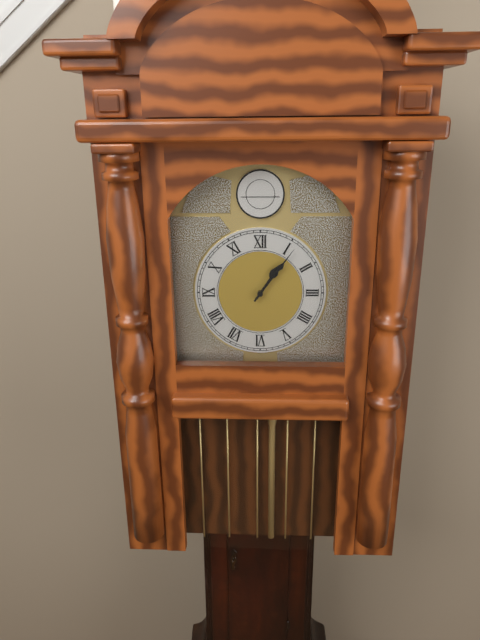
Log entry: 1,06
